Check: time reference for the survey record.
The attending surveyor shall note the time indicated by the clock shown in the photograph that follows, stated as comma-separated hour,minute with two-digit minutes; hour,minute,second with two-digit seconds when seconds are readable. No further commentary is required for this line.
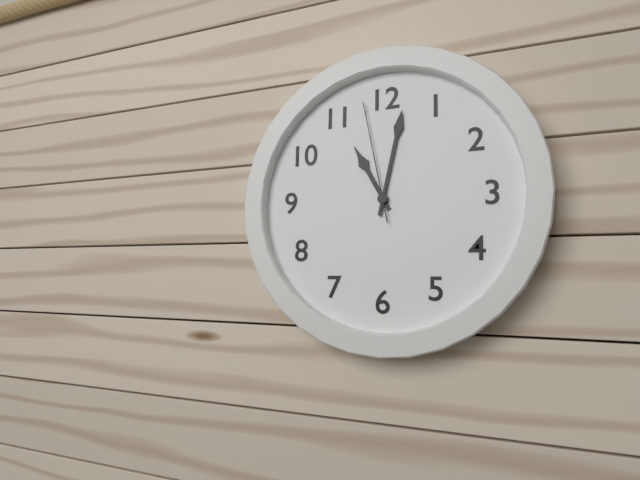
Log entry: 11,02,58
